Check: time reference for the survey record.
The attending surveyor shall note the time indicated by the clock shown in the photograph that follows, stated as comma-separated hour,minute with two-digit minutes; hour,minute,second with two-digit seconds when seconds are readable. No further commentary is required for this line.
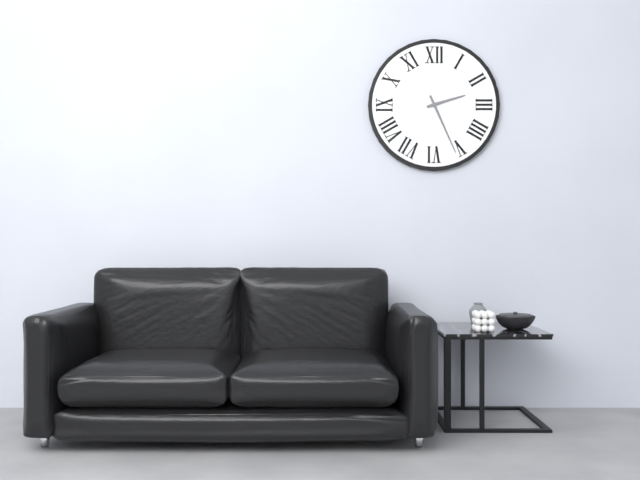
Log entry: 2,26
